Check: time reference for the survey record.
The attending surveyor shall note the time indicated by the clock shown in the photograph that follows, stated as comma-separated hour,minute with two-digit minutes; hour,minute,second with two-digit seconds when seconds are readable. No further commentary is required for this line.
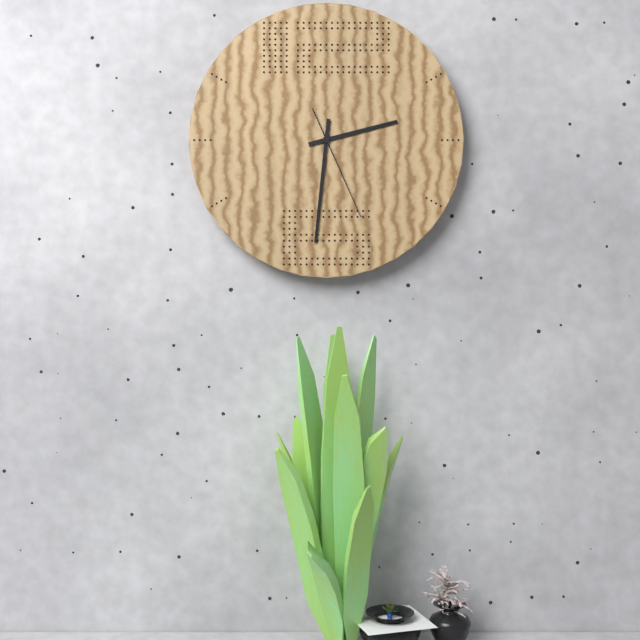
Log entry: 2,31,26
